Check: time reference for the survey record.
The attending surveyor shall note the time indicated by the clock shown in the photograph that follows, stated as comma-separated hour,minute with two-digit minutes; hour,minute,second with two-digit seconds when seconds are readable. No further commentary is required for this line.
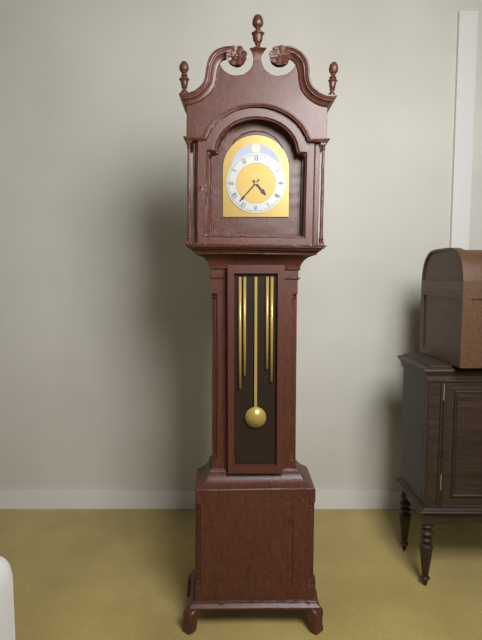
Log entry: 4,37
